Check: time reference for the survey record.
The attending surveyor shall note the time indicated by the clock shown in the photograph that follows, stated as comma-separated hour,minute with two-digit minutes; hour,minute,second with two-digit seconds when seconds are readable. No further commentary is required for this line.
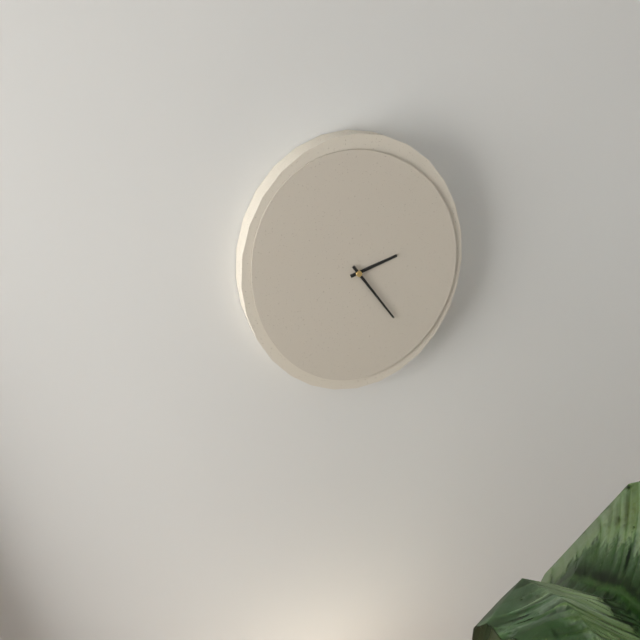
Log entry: 2,24
